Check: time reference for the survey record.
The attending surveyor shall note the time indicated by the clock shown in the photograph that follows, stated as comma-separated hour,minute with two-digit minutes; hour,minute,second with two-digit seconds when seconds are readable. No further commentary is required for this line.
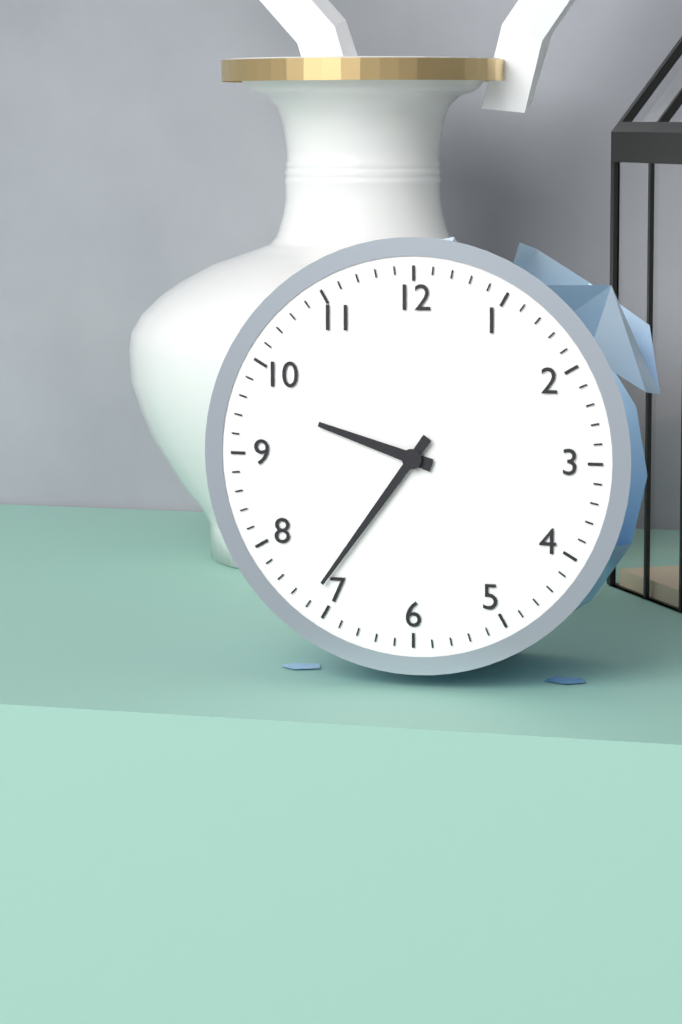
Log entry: 9,36
